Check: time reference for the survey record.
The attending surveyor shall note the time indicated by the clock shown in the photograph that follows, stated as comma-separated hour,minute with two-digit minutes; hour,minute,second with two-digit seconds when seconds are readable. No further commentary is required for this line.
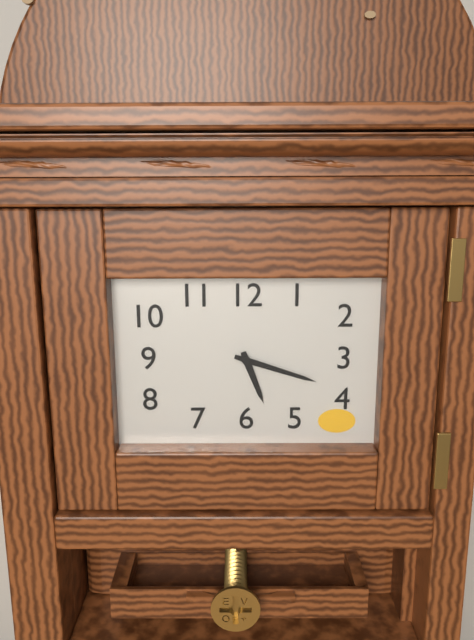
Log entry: 5,18
